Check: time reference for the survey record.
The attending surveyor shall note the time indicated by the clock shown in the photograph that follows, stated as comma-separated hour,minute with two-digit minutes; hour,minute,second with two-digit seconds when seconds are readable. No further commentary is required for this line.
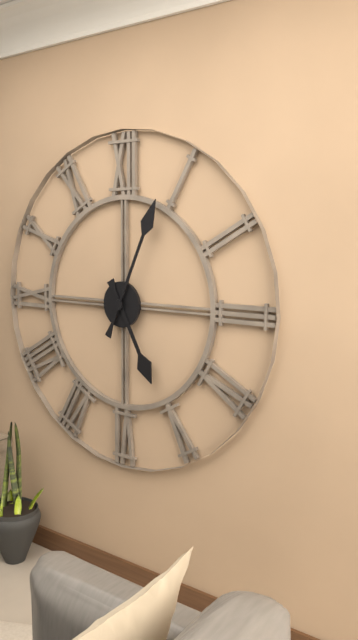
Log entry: 5,04
